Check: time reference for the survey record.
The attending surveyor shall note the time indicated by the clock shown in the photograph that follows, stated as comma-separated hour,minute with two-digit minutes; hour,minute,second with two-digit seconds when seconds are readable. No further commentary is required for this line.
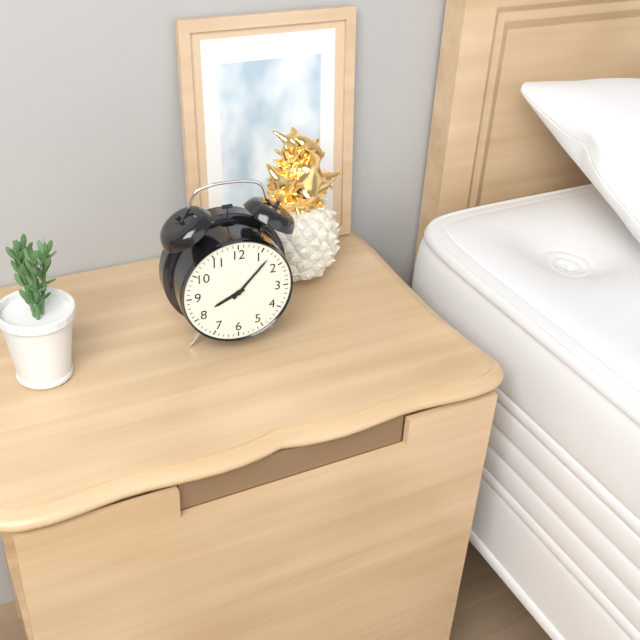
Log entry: 8,07
